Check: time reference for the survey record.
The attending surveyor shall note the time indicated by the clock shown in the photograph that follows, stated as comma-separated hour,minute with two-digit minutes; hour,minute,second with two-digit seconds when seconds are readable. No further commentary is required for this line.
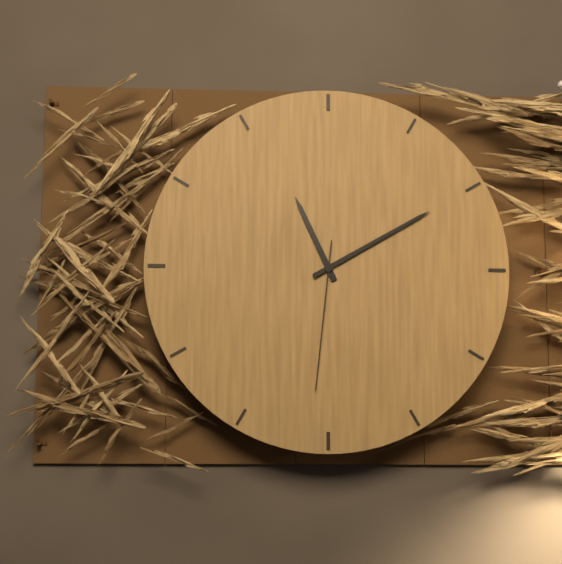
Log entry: 11,10,31
